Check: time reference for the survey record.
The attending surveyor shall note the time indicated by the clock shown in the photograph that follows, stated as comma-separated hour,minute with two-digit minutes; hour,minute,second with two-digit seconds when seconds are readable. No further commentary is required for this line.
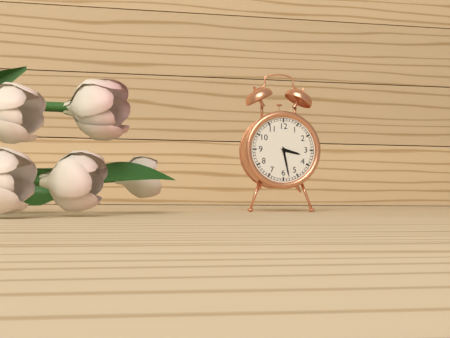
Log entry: 3,28
